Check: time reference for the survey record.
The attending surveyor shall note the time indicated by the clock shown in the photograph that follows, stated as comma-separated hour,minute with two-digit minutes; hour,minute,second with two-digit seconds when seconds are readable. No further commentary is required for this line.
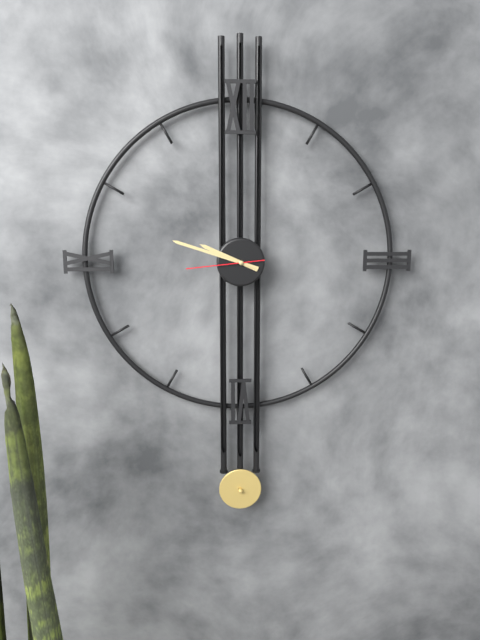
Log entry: 9,48,44
